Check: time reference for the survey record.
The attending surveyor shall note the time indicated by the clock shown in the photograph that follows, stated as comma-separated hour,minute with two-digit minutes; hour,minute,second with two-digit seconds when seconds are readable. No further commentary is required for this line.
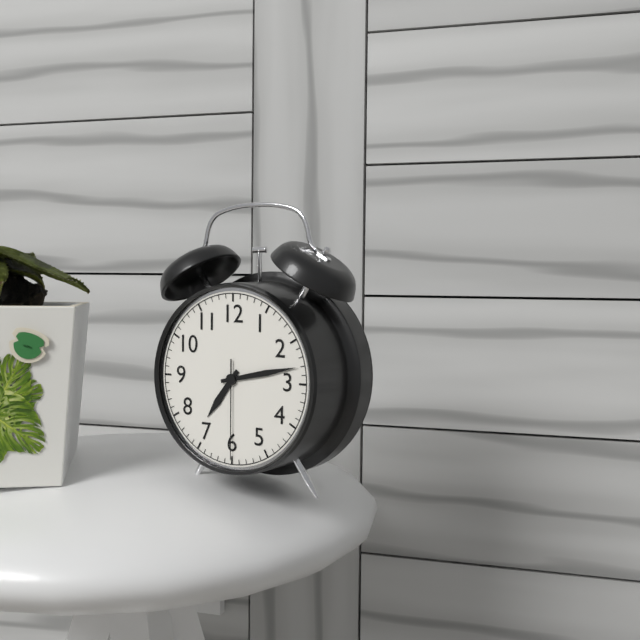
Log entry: 7,13,30
